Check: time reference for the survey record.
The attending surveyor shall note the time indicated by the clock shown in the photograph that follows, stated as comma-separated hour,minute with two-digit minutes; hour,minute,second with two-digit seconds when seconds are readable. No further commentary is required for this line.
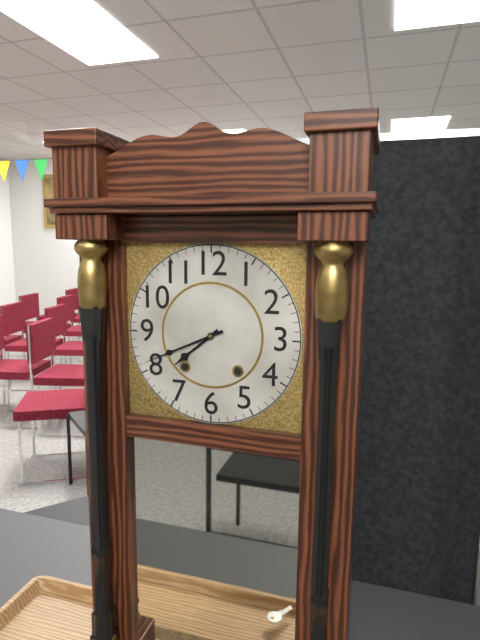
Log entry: 7,41
